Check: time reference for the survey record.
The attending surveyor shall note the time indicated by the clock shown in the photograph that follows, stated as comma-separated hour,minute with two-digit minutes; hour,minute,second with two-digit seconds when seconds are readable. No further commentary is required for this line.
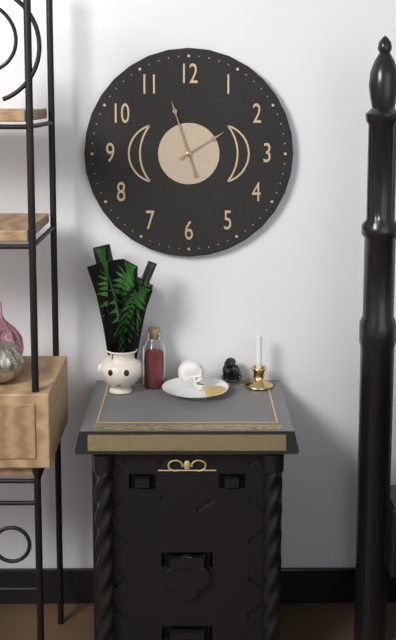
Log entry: 1,57
